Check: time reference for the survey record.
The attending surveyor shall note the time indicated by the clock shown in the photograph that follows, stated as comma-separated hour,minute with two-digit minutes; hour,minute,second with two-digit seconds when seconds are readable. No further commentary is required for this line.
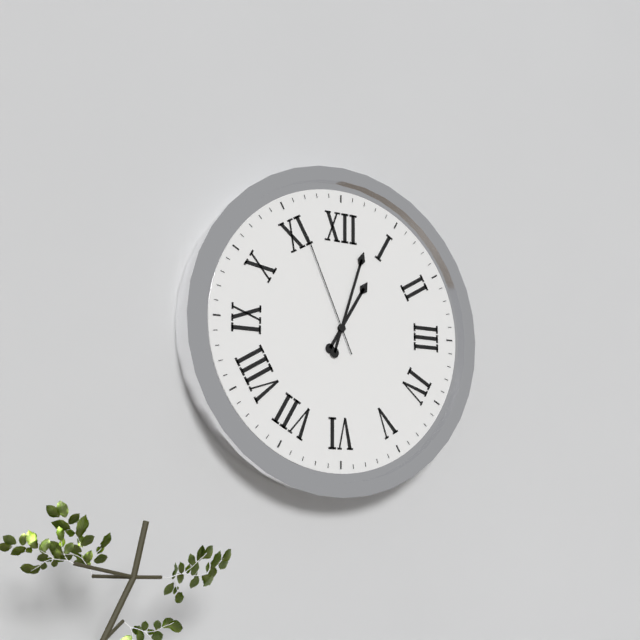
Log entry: 1,03,56
